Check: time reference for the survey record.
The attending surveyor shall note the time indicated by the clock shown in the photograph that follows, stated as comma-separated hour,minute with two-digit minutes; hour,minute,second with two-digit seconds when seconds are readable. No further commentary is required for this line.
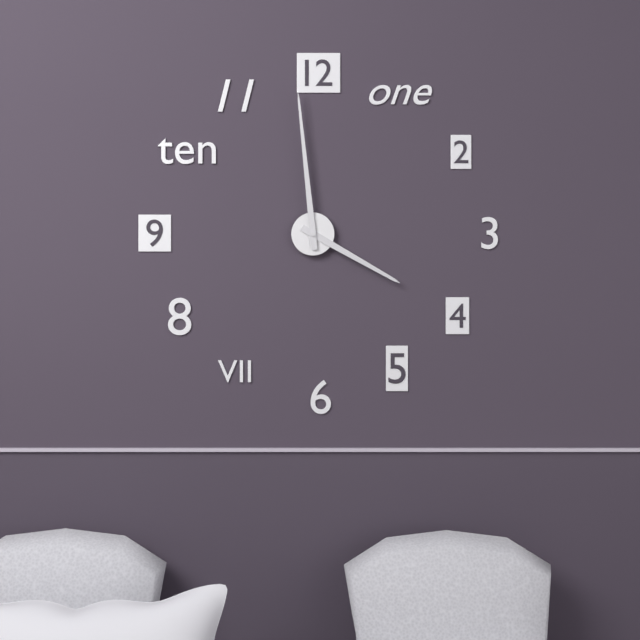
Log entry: 3,59
